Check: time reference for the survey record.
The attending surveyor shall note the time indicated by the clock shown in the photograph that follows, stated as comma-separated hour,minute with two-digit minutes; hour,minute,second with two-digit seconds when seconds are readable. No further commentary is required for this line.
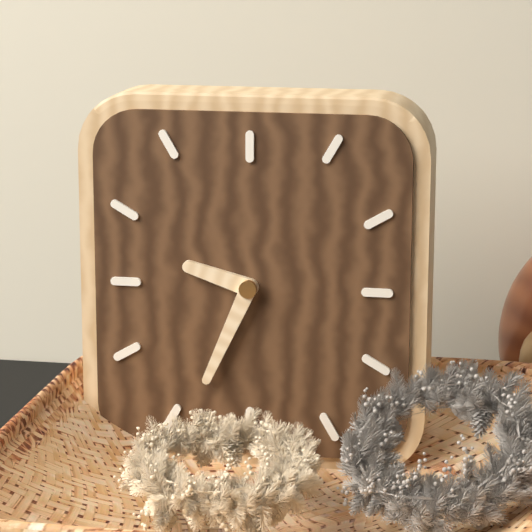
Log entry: 9,34
